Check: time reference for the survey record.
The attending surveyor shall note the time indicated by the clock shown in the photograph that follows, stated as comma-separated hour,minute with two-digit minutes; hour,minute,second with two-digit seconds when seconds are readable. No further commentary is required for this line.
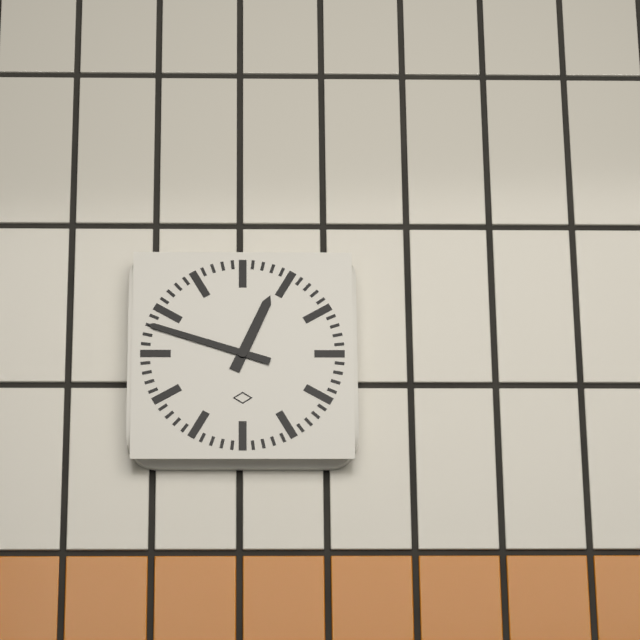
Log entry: 12,48
